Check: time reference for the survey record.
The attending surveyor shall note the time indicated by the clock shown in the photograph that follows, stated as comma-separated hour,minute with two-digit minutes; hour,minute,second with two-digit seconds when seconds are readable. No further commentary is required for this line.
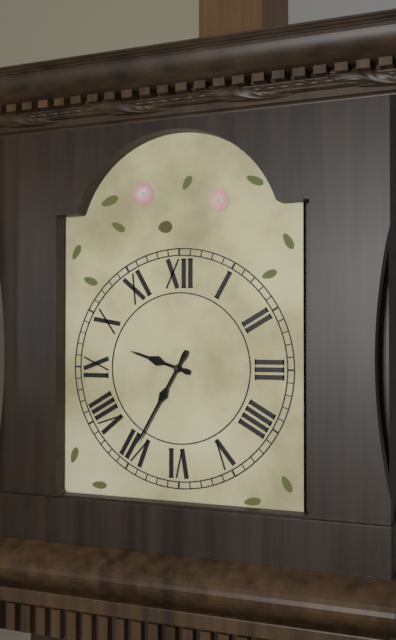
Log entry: 9,35
